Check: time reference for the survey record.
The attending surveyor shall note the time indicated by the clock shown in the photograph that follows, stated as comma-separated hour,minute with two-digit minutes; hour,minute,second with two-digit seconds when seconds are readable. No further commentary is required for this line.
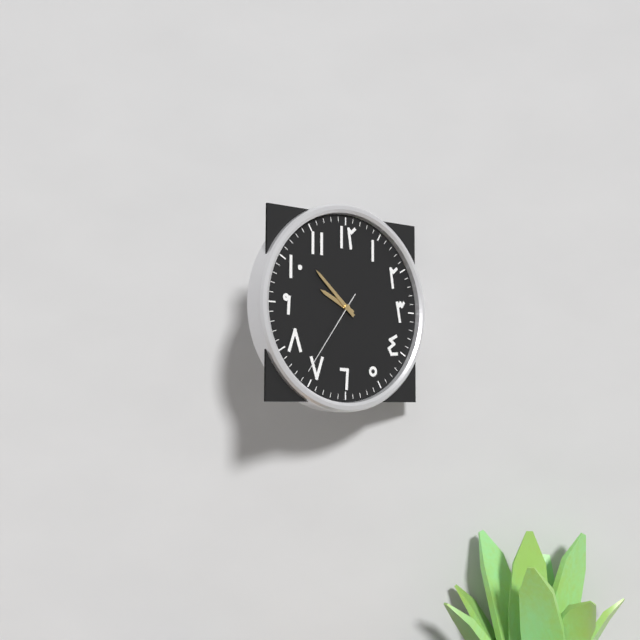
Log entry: 9,52,36
